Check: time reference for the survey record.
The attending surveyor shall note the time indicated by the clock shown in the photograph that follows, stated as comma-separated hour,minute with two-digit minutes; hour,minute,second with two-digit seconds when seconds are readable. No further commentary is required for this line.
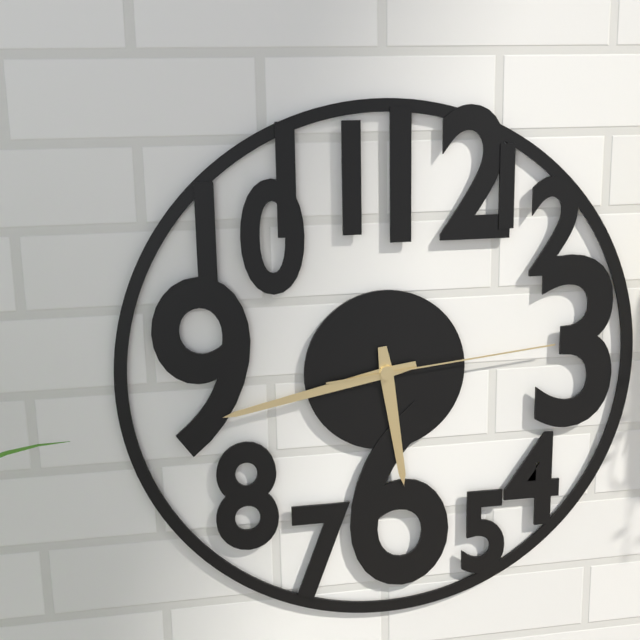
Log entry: 5,43,14
